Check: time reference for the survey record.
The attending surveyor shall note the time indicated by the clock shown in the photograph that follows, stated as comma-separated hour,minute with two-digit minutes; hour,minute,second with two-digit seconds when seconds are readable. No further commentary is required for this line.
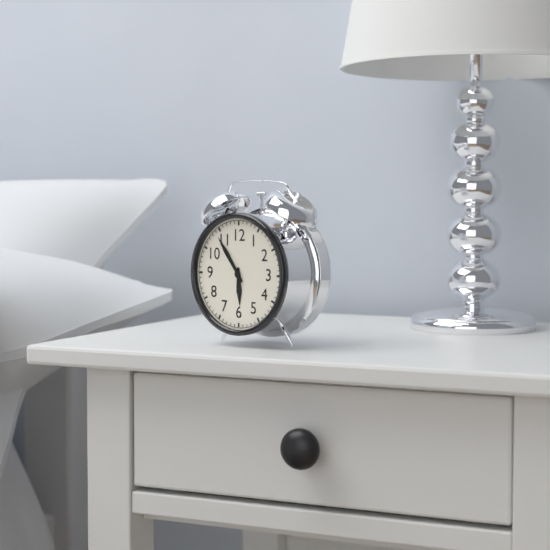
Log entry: 5,54
